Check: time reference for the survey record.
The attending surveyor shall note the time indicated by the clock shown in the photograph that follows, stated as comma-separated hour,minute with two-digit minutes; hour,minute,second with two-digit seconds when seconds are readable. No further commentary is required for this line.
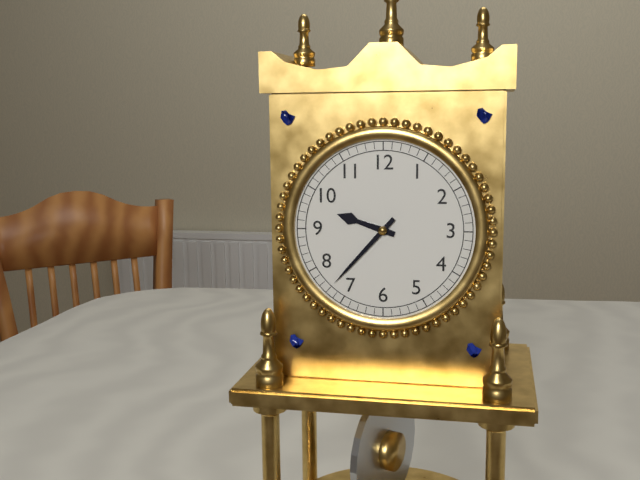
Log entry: 9,37
